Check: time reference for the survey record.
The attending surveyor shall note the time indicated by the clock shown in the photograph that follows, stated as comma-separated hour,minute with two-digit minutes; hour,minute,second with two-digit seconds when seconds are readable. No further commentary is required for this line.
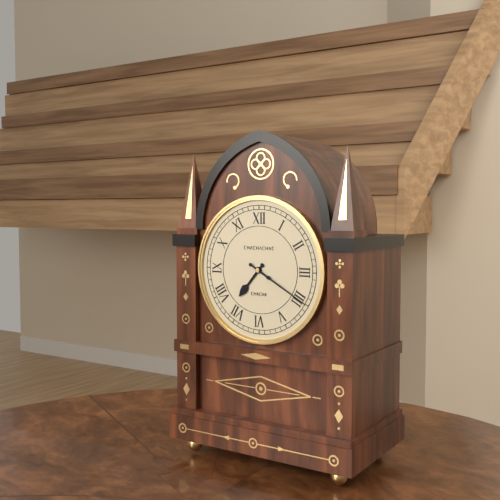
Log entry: 7,20
